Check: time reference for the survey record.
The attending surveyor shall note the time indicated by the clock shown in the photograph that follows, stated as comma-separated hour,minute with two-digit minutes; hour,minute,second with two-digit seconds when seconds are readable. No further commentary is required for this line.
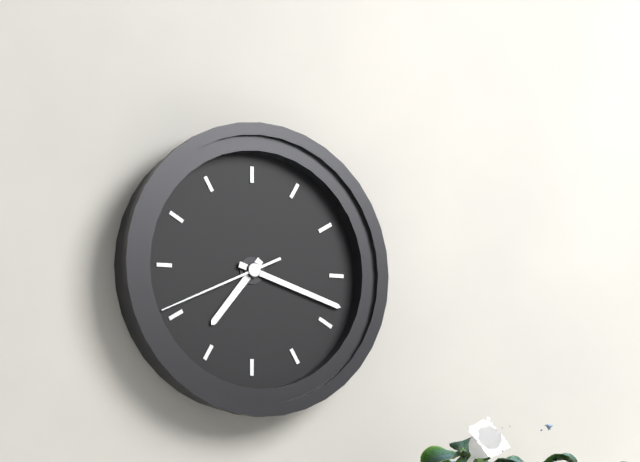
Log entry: 7,18,41
